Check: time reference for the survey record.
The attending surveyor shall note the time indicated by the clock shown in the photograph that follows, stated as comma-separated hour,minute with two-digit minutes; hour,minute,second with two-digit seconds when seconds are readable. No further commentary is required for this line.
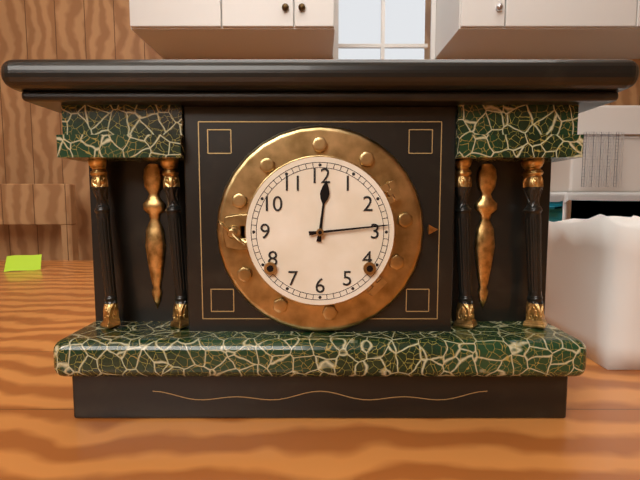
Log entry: 12,14
